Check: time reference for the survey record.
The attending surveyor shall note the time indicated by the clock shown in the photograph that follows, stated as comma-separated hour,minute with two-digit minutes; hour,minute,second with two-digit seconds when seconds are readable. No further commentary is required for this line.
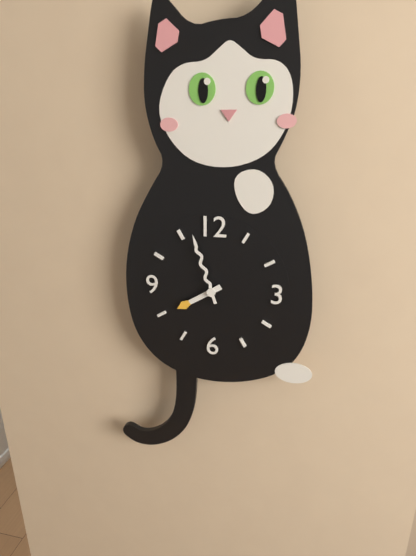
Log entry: 7,57
